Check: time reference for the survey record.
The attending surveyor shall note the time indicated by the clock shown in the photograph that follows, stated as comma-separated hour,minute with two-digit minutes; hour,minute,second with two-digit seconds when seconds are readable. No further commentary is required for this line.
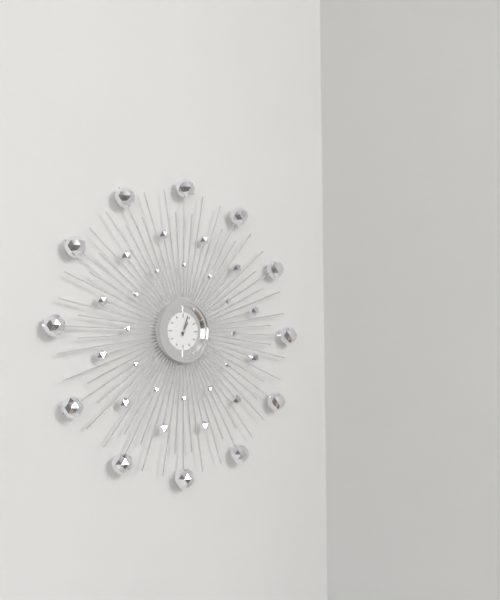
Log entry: 1,03
